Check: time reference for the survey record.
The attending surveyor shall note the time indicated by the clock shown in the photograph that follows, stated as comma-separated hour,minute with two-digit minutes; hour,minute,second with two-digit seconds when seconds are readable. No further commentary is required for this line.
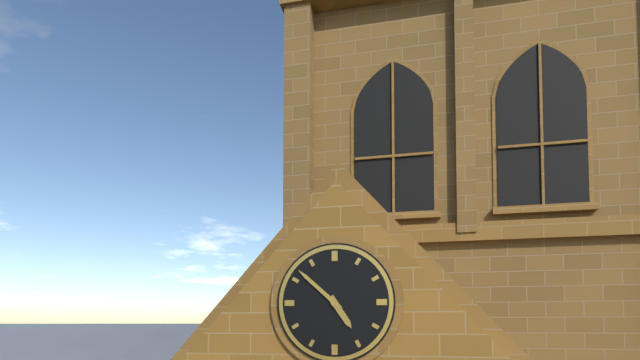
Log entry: 4,52
